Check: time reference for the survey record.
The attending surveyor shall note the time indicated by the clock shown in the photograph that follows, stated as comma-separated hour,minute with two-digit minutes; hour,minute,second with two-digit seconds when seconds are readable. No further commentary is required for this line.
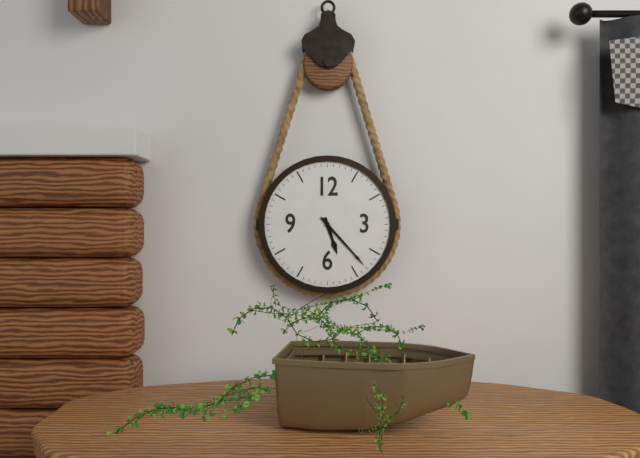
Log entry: 5,23
